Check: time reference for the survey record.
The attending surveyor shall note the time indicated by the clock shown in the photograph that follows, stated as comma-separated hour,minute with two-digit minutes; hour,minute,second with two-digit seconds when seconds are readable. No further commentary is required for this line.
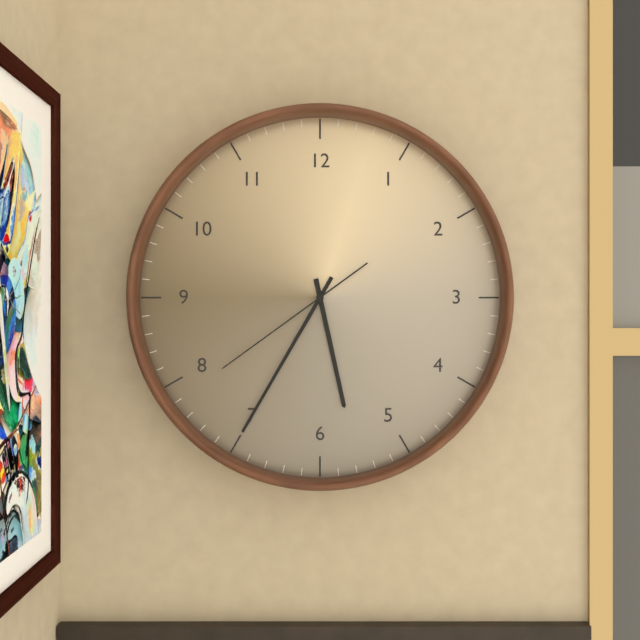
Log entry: 5,35,39
